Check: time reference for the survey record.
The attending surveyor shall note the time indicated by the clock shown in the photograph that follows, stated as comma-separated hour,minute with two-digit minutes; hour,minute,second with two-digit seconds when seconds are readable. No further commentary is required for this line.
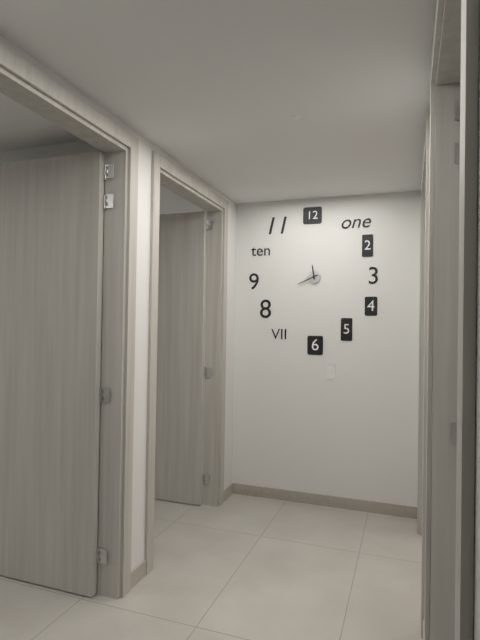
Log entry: 11,41
